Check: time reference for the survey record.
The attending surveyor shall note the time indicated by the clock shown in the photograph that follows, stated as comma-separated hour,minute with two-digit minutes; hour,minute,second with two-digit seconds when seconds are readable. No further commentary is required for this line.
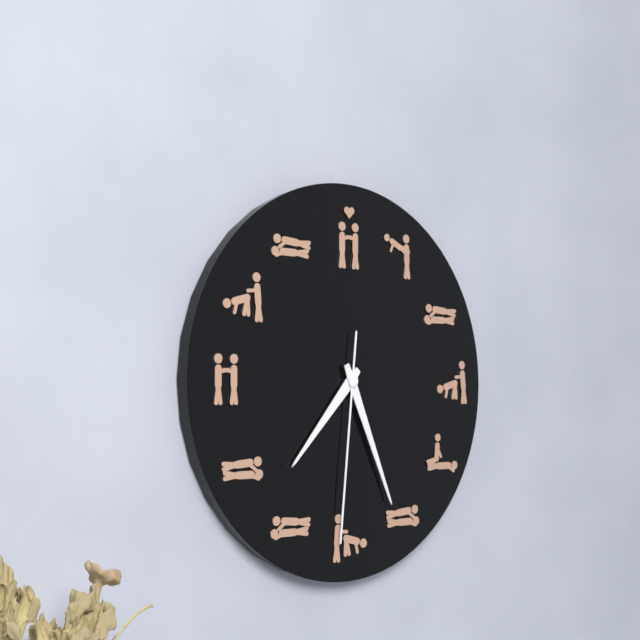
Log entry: 7,26,31
